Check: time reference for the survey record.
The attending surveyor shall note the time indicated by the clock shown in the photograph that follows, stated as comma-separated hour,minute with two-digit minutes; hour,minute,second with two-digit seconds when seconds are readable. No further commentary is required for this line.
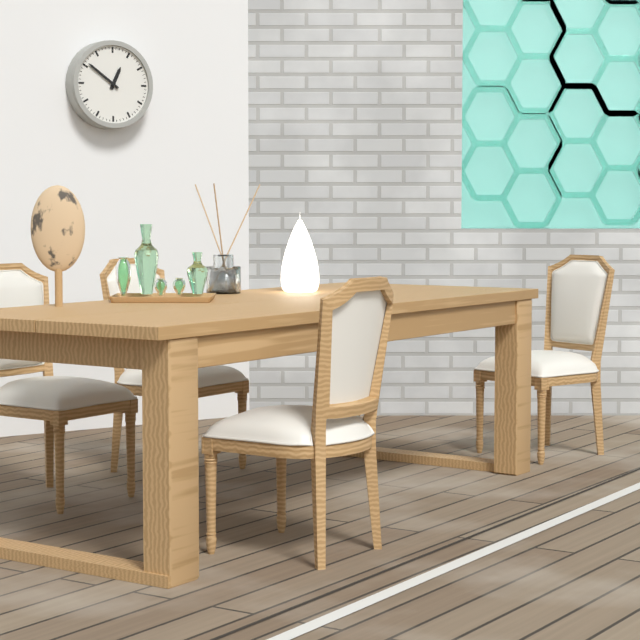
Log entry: 12,51
